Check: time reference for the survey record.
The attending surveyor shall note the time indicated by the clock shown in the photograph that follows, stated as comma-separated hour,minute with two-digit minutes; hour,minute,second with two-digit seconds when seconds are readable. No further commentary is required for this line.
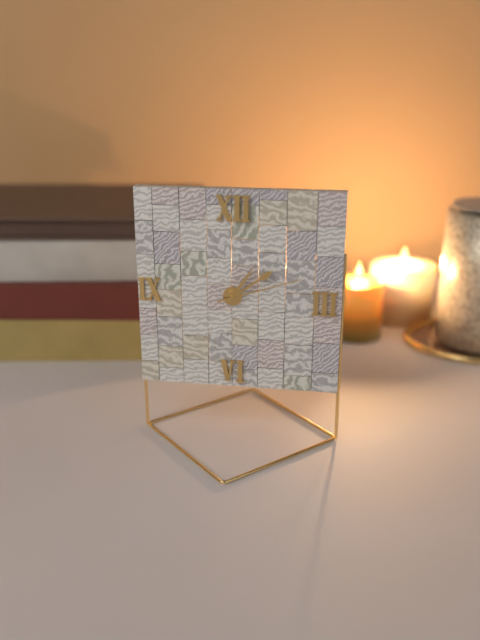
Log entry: 1,09,12
